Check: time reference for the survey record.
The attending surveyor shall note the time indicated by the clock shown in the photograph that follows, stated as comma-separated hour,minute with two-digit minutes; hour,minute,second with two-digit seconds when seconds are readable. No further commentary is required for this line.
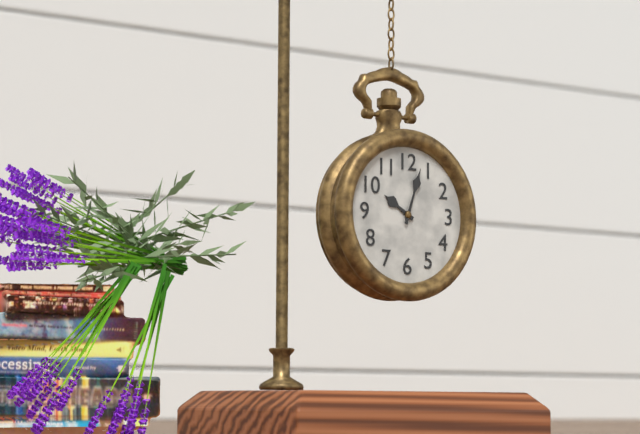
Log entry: 10,03
